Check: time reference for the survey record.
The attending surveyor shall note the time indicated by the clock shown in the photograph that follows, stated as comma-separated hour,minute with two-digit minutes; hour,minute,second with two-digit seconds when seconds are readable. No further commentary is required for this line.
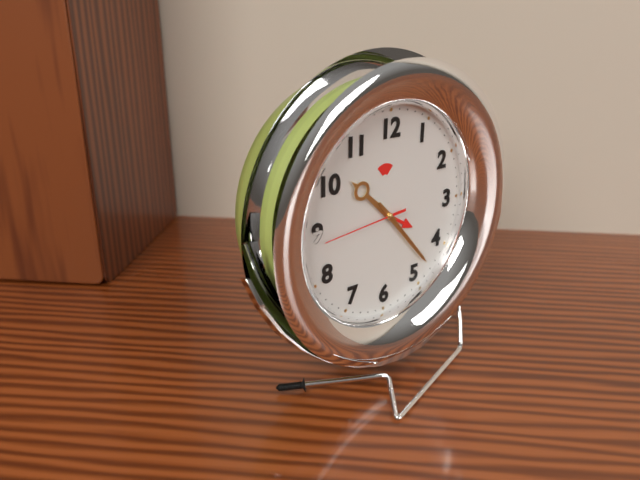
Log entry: 10,23,44
